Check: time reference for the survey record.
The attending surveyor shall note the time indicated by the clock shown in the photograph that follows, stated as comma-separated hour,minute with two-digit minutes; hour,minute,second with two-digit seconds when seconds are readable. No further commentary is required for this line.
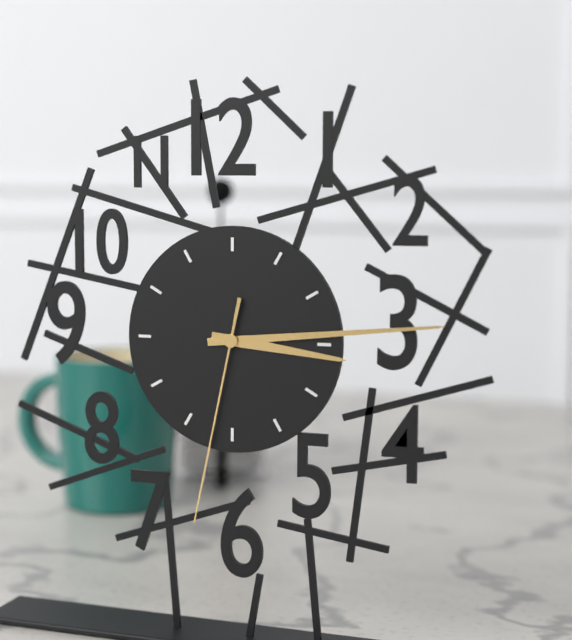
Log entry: 3,14,32
